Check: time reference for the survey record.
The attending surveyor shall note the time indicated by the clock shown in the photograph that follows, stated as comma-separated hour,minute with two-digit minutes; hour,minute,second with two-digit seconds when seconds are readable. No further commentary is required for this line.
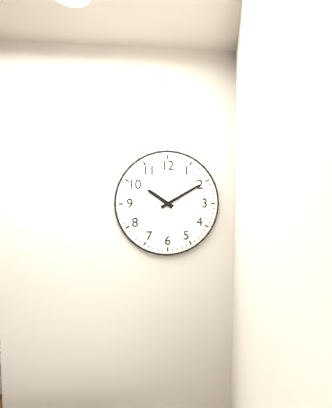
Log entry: 10,10
